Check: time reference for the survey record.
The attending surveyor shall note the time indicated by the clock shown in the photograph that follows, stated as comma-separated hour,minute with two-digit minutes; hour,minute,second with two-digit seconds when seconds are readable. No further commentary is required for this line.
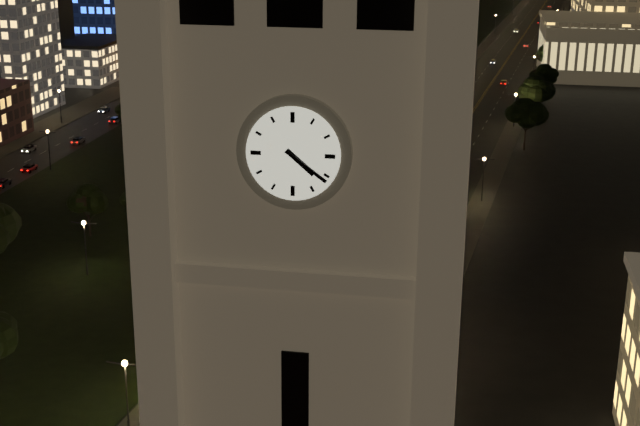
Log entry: 4,21
